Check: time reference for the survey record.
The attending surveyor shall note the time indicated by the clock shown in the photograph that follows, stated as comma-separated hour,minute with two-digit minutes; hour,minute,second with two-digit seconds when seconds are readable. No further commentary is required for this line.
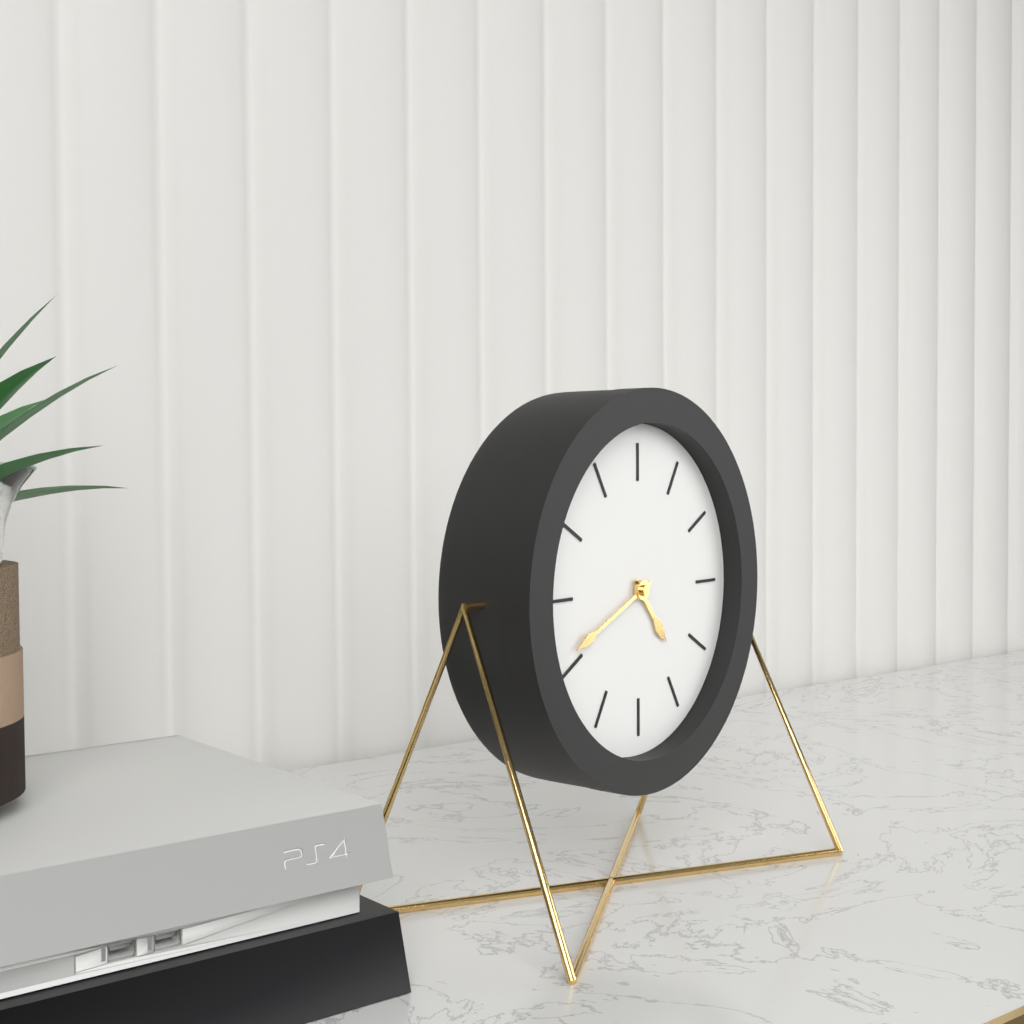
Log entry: 4,41
